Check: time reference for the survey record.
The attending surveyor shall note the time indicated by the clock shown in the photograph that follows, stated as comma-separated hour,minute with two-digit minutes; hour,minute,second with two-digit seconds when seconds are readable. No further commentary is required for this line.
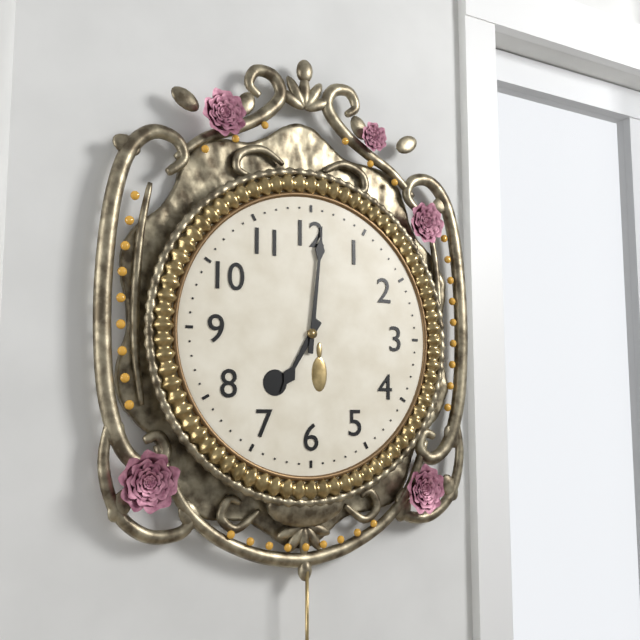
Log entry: 7,01
